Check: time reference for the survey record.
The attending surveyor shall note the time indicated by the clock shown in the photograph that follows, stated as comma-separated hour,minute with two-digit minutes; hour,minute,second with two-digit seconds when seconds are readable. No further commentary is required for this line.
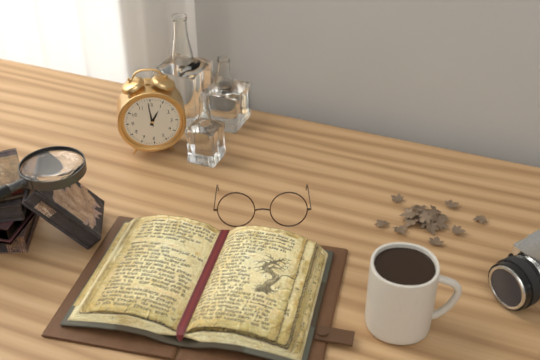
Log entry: 12,59
